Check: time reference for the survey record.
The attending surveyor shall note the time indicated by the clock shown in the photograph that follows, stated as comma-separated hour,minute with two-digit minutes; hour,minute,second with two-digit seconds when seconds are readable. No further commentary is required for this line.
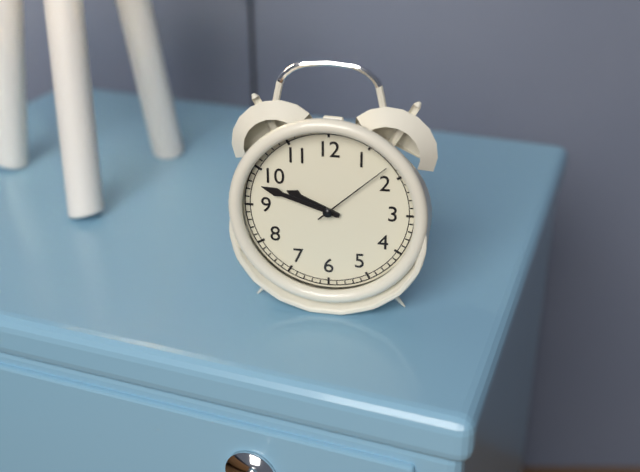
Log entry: 9,48,08
